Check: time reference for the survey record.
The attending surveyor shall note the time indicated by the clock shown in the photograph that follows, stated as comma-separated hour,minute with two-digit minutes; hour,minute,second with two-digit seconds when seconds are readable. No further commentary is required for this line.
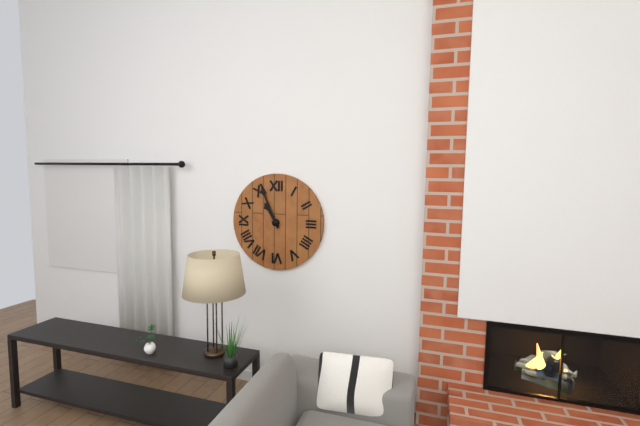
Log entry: 10,56
